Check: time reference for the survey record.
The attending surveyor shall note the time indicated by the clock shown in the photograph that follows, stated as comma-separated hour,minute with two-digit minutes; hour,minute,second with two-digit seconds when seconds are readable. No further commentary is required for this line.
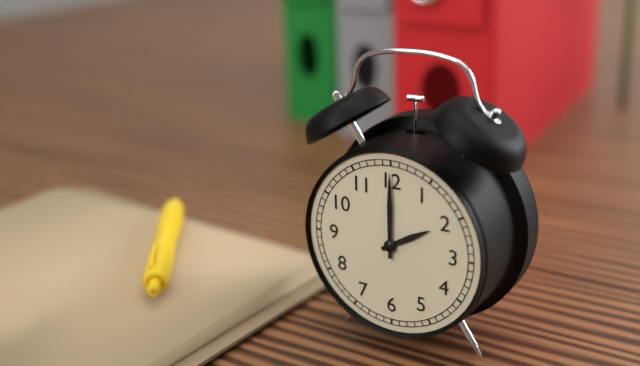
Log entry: 2,00
